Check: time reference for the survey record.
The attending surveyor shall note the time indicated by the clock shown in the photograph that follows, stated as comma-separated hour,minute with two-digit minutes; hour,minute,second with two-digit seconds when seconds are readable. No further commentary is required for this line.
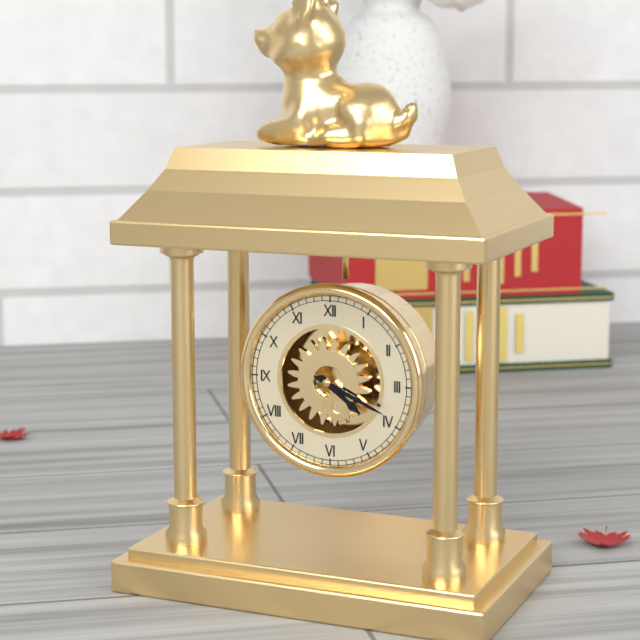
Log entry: 4,19
